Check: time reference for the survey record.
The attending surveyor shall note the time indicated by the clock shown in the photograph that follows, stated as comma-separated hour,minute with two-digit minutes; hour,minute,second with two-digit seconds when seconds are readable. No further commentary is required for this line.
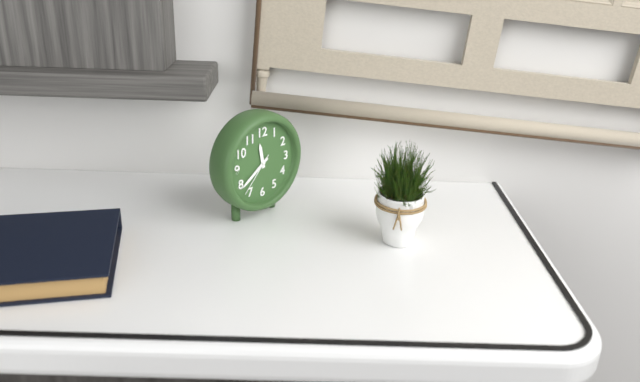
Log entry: 11,39
